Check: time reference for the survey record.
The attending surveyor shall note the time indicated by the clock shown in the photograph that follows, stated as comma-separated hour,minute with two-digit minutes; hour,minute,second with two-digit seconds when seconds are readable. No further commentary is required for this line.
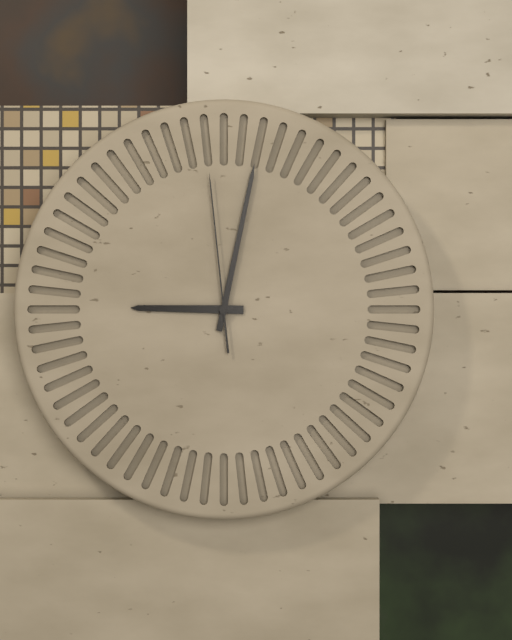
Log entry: 9,02,59
